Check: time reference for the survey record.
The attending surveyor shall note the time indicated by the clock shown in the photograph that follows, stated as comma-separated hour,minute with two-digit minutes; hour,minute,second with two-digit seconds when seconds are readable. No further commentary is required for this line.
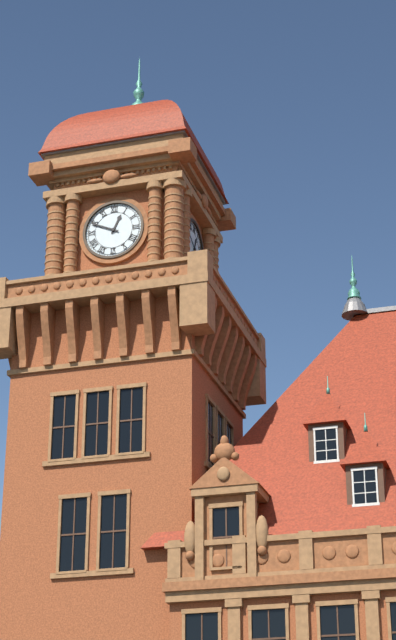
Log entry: 12,49
